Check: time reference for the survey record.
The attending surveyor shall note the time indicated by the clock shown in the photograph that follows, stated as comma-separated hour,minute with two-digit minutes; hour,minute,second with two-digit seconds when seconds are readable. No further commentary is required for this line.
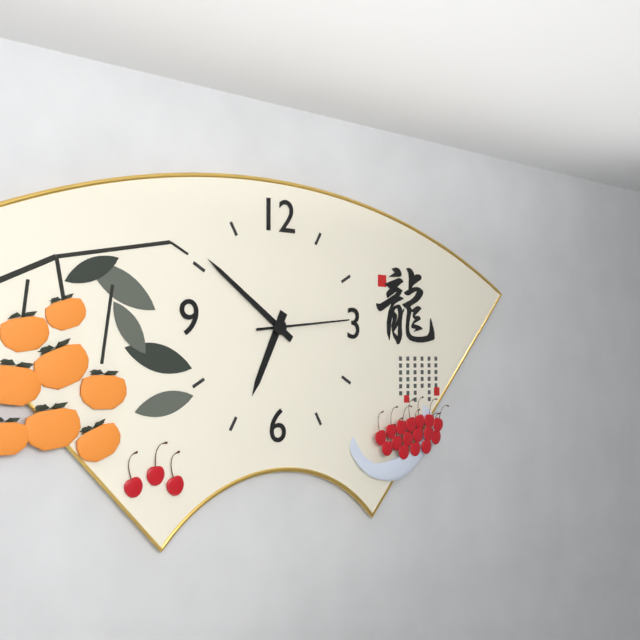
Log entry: 6,51,14
